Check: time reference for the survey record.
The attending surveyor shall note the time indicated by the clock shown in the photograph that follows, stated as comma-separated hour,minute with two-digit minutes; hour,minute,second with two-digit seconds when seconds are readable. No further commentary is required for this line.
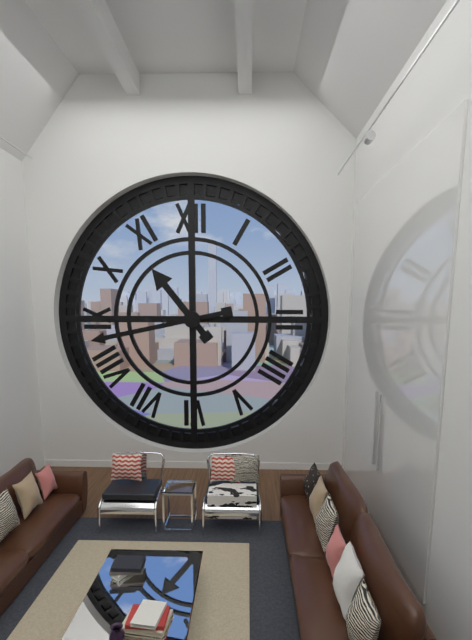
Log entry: 10,43
